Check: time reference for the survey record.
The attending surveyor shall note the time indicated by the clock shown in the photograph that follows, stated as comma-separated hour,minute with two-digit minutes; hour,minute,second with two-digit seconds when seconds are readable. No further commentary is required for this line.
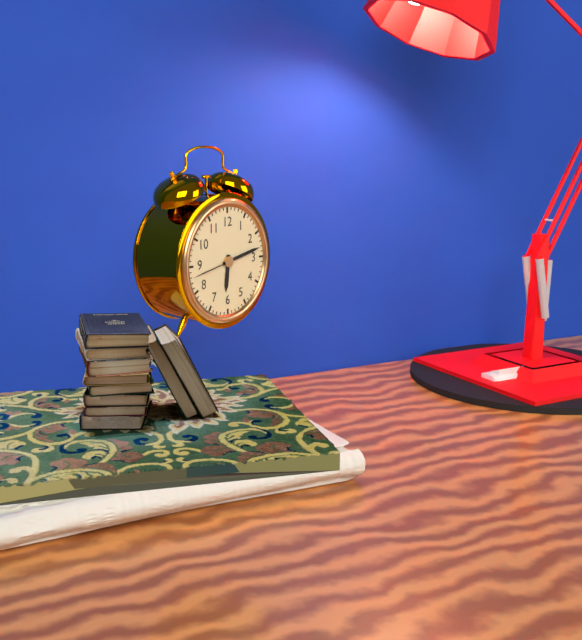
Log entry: 6,13
